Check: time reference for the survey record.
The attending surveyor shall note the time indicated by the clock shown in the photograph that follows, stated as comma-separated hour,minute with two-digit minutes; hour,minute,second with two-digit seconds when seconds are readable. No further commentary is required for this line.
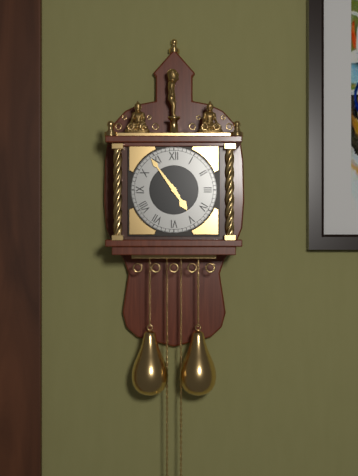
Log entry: 4,54
